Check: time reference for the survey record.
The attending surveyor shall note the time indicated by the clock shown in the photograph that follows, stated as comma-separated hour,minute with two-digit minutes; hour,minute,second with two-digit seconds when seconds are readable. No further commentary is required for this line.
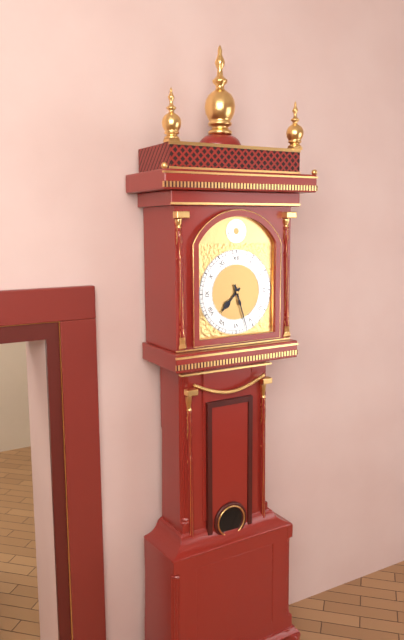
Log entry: 7,27
